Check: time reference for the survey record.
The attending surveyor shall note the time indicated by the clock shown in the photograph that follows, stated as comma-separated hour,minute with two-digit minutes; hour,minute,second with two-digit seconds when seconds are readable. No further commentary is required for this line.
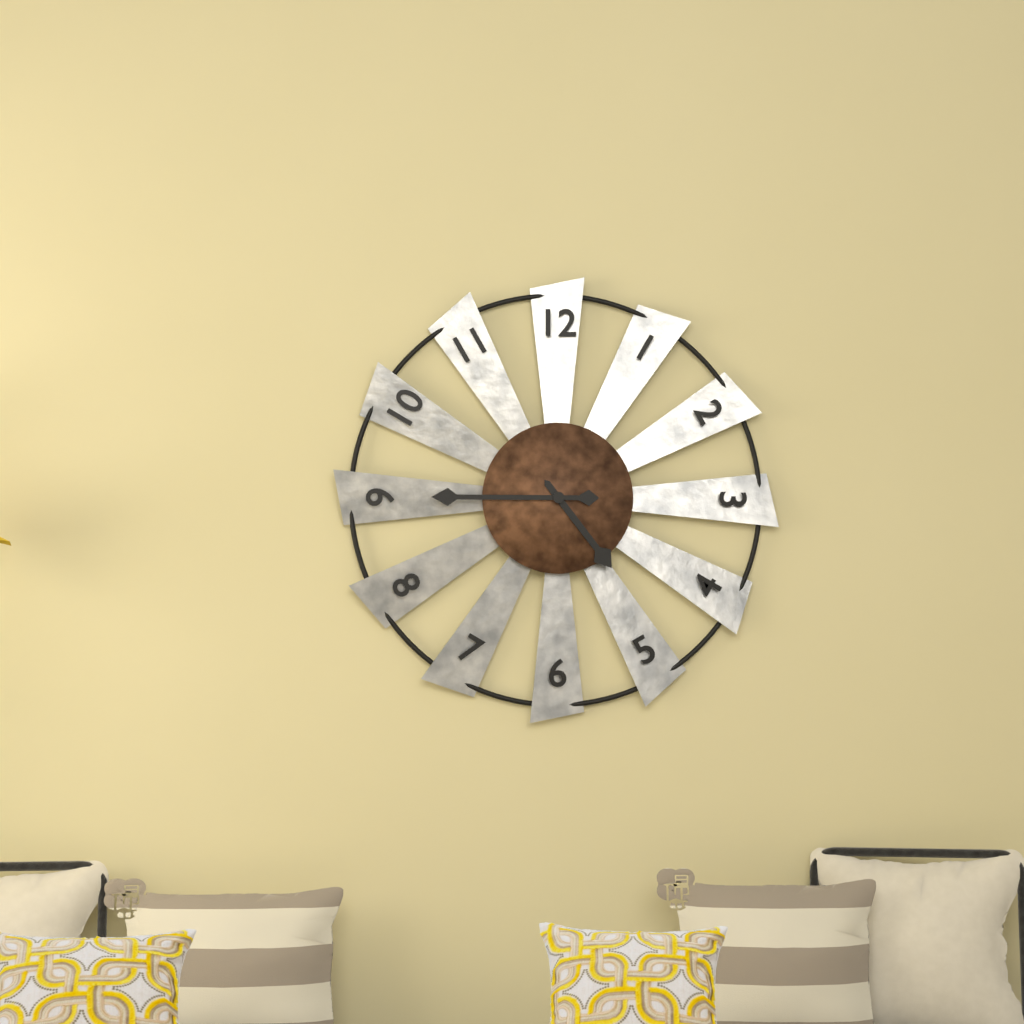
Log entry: 4,45
